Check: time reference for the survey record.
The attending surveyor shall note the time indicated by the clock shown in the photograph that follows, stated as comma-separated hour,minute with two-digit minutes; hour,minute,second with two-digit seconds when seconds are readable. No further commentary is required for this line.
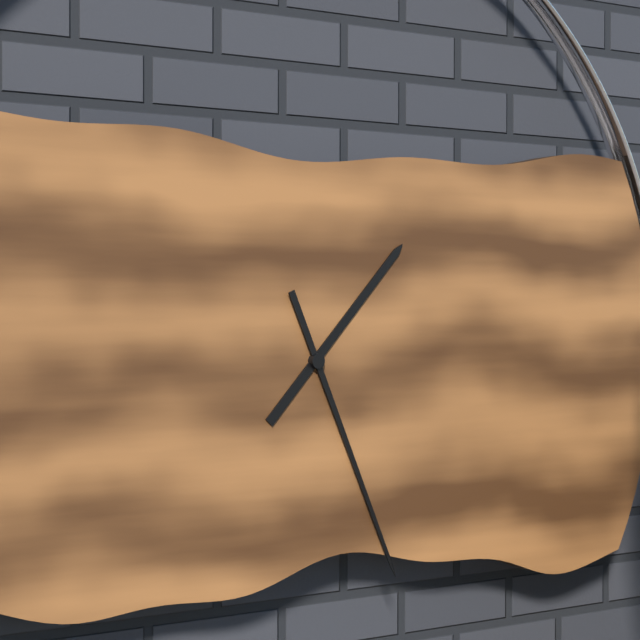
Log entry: 1,26
